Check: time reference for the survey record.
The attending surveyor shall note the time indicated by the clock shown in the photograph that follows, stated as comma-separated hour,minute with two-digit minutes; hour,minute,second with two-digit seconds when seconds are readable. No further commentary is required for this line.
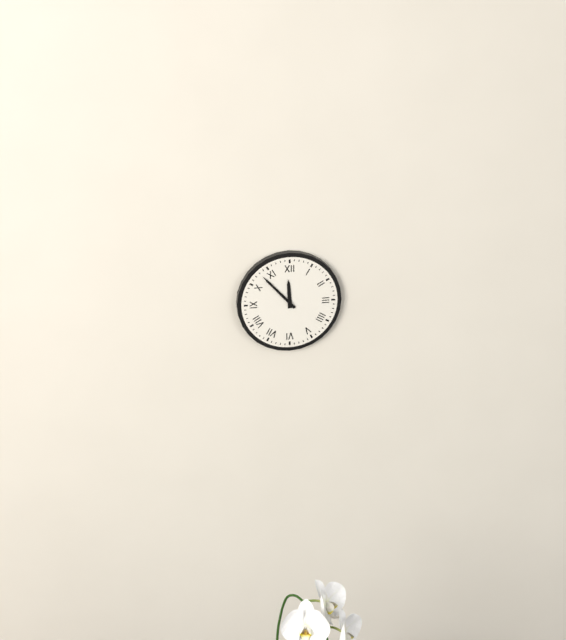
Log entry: 11,53
